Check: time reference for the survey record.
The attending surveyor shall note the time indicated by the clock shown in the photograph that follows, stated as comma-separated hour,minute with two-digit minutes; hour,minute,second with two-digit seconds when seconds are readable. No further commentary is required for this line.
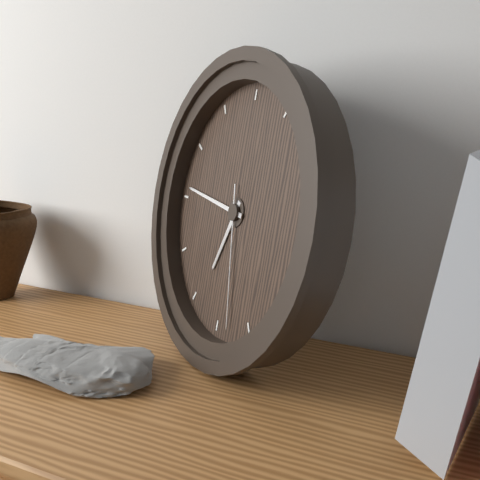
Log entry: 6,46,28
